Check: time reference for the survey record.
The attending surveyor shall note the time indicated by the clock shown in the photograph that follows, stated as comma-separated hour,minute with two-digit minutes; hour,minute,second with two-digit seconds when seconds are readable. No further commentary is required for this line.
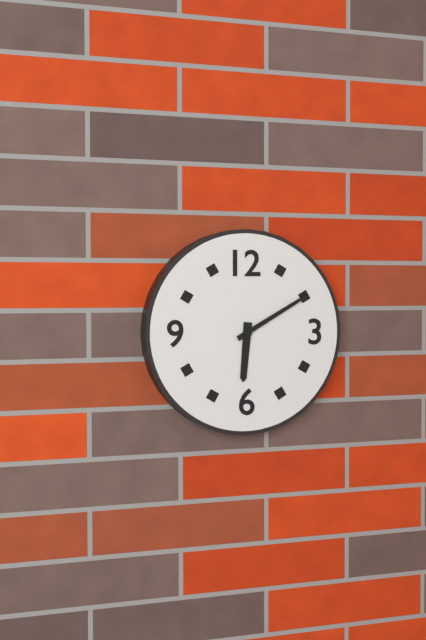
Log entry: 6,10
